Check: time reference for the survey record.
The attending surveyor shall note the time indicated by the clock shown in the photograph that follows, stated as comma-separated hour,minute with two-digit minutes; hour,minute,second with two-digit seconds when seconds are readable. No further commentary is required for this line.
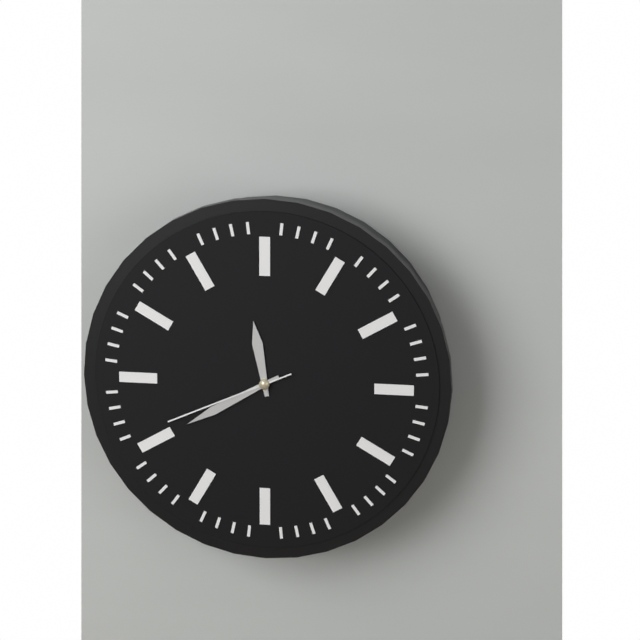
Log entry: 11,40,41
